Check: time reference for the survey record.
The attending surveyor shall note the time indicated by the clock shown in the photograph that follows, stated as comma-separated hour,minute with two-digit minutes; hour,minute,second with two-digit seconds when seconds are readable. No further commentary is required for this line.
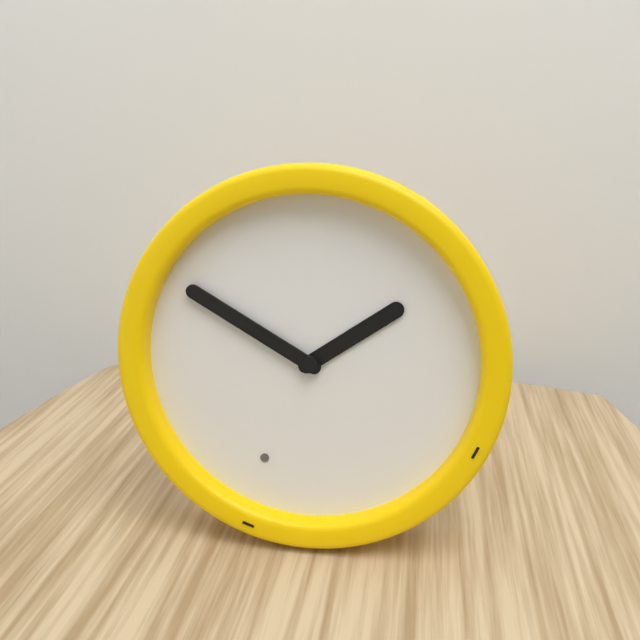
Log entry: 1,50
